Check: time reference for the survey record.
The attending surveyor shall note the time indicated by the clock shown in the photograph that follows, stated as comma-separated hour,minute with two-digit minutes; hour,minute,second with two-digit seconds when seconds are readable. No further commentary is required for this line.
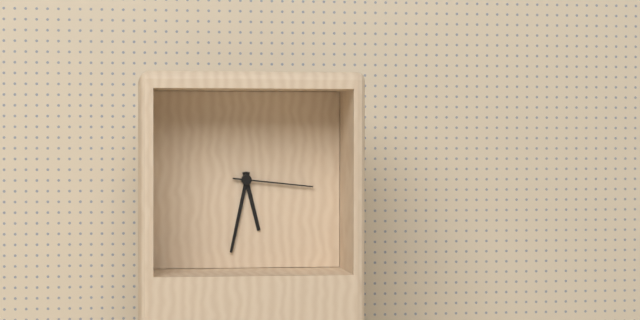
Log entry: 5,32,16
